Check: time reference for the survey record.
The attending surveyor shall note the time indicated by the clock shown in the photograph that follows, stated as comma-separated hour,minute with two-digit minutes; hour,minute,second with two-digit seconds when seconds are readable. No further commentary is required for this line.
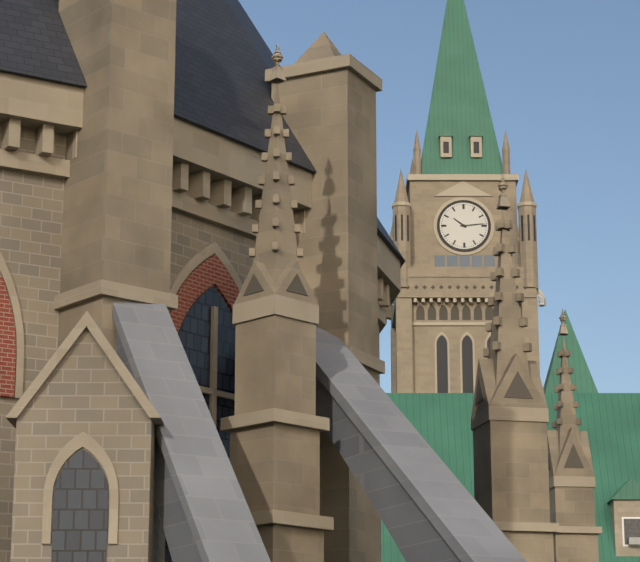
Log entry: 10,14
